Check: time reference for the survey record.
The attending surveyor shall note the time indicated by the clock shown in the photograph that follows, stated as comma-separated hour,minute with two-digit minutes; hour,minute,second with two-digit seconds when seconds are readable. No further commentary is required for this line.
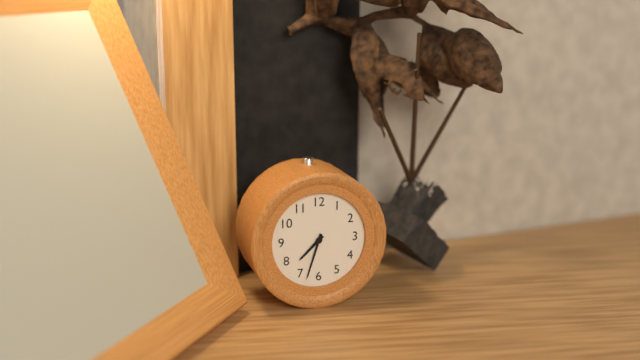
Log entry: 7,33
